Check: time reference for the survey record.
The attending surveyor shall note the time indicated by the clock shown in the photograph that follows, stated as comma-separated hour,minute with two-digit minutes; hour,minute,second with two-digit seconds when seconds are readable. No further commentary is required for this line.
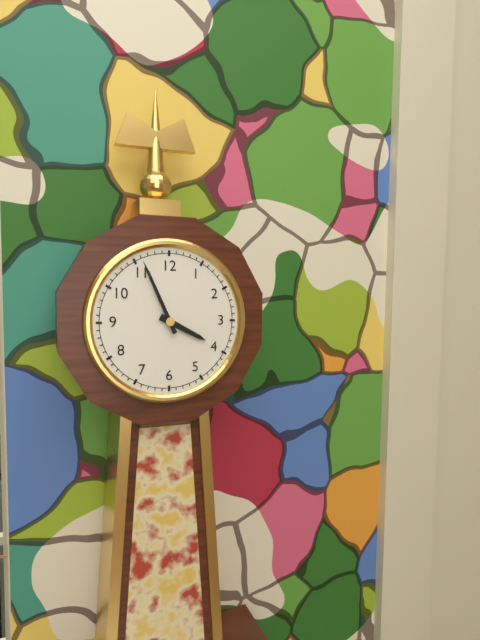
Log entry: 3,56
